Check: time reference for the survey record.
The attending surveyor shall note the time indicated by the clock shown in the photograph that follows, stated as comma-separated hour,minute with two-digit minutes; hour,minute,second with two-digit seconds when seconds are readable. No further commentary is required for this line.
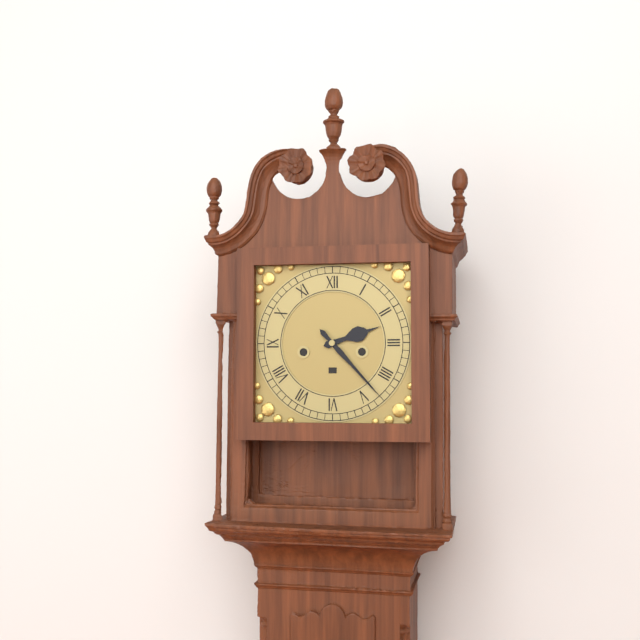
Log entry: 2,23
